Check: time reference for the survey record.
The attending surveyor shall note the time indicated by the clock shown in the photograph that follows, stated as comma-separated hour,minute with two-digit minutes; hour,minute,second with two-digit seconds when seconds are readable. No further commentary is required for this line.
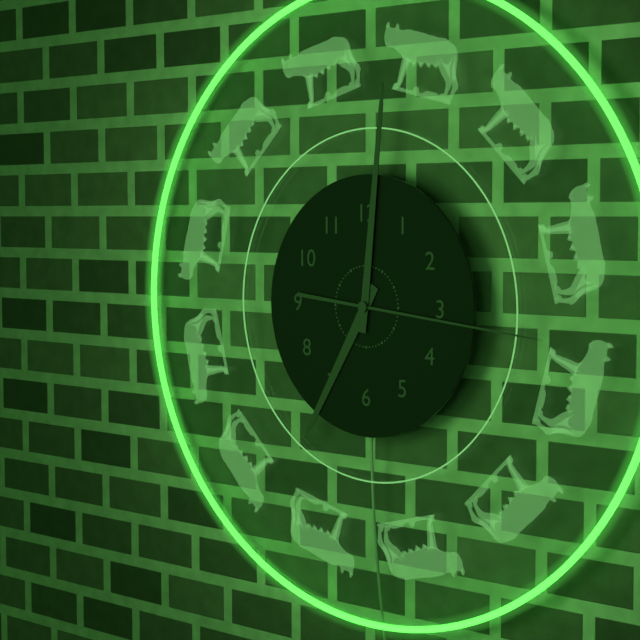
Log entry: 7,01,16
